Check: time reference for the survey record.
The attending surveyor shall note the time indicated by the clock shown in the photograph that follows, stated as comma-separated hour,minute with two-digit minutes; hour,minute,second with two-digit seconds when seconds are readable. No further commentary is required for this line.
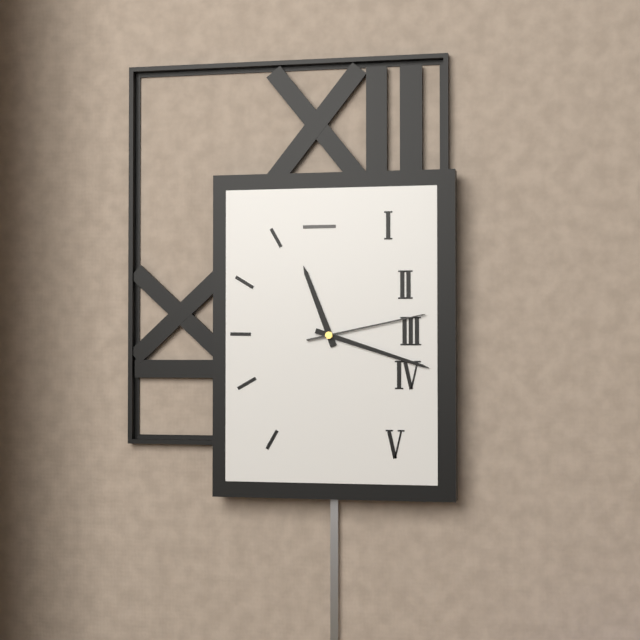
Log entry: 11,18,13
